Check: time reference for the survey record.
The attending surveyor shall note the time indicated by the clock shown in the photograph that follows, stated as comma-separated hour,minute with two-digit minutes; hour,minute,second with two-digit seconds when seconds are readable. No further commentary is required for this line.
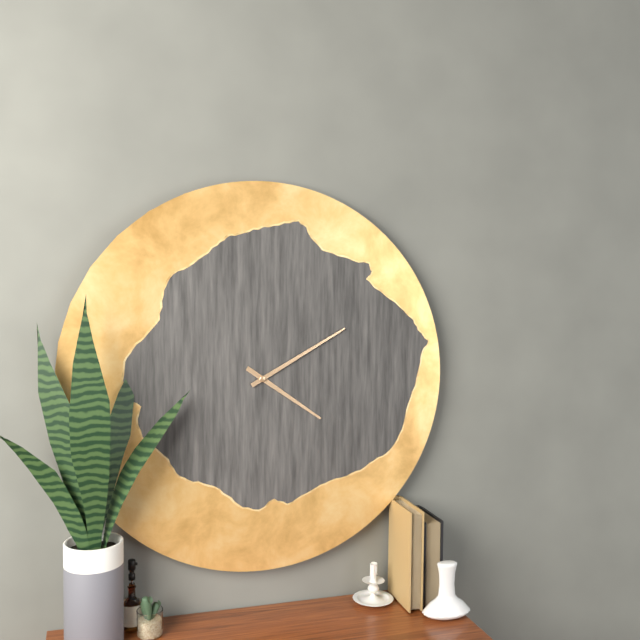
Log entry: 4,10
